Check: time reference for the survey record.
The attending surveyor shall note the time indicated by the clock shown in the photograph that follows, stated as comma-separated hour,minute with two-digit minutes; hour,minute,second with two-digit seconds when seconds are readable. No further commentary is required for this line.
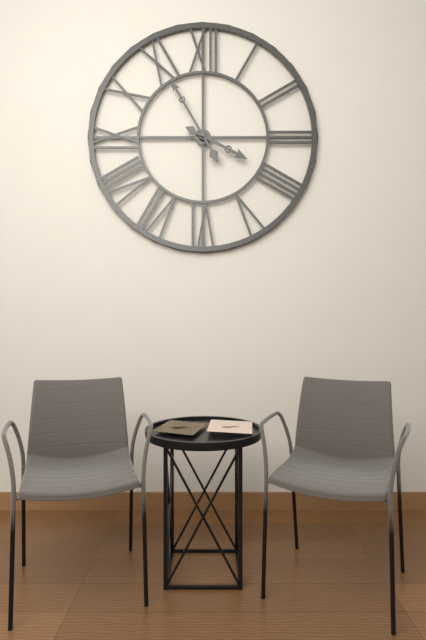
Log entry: 3,55
